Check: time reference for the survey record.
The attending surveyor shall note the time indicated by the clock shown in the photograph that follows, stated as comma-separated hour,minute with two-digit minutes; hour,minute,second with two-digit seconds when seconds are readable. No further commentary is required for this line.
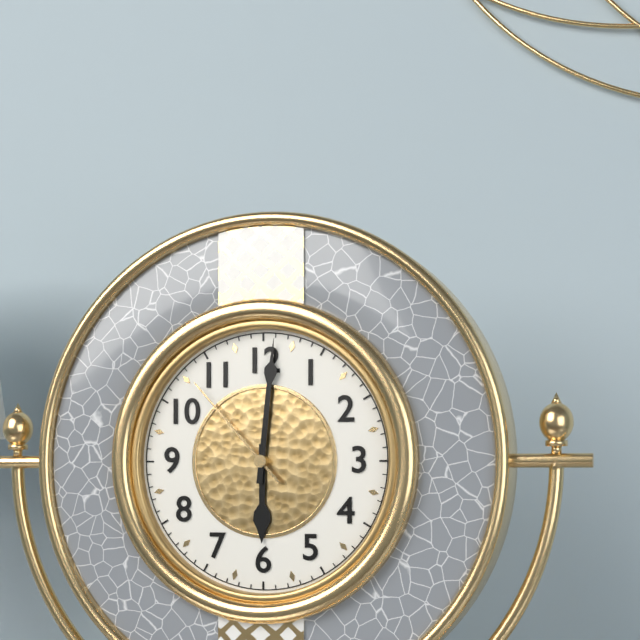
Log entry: 6,01,53
